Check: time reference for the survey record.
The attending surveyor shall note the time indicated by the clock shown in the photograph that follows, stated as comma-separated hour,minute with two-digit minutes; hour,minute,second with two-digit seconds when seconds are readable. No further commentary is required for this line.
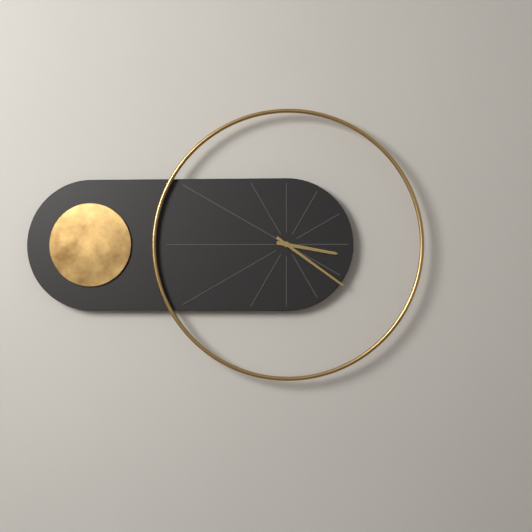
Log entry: 3,21
